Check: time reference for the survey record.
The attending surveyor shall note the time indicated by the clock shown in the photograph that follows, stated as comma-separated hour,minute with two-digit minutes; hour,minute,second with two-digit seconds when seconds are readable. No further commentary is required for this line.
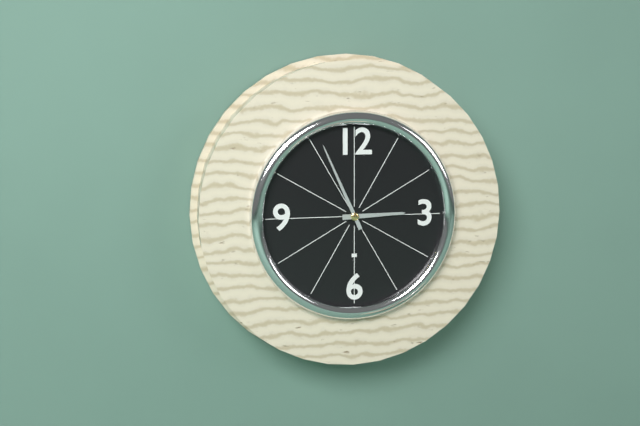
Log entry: 2,56
